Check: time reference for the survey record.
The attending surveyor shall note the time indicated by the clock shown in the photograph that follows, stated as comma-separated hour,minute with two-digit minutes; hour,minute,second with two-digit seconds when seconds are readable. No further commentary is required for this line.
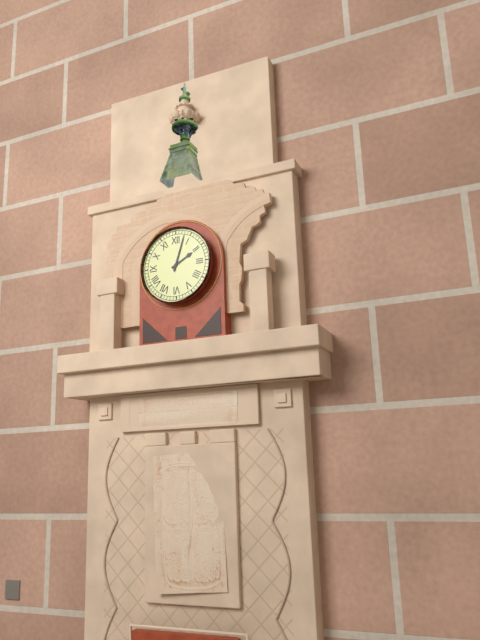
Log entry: 2,03
